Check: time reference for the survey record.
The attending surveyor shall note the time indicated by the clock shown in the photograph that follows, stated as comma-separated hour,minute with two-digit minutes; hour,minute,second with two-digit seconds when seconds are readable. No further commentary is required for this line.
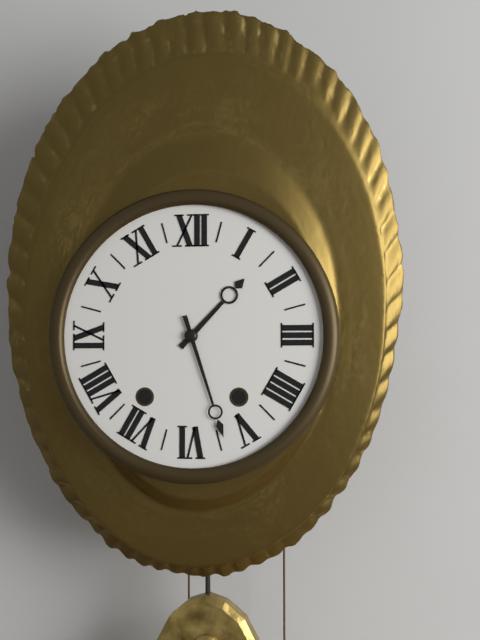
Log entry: 1,27
